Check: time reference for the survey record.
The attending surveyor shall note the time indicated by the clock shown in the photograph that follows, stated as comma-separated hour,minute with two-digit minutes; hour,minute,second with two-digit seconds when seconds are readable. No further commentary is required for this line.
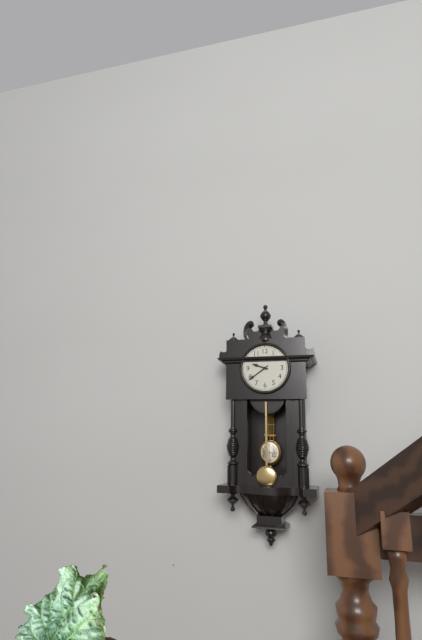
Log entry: 9,39
